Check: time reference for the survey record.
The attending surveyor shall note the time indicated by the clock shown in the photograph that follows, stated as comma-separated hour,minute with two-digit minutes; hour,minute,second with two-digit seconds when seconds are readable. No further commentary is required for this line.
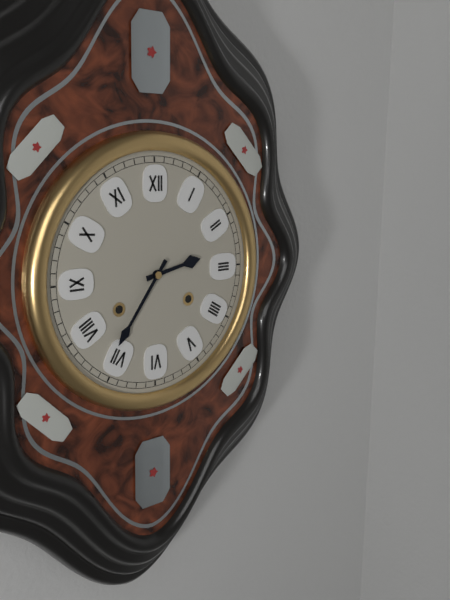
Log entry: 2,36
